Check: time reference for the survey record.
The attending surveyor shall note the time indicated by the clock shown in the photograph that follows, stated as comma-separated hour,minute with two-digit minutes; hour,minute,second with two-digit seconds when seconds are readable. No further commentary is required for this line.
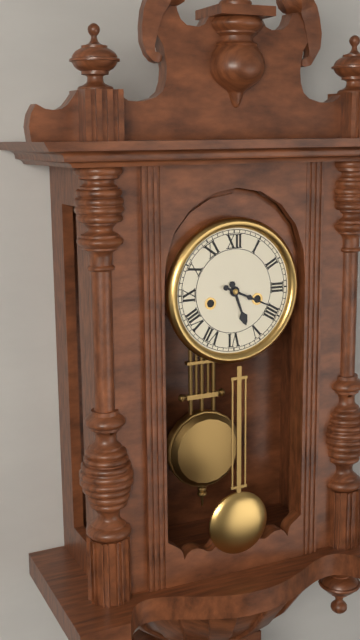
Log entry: 5,19
